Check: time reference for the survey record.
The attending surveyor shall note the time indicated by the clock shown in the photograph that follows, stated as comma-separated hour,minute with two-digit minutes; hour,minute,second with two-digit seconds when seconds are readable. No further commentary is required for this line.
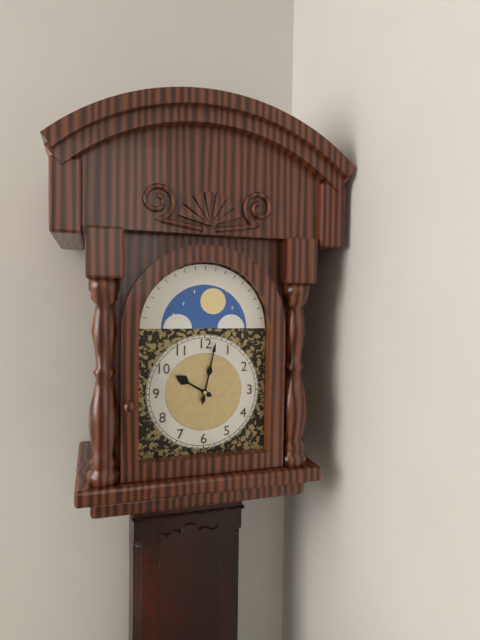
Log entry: 10,02
